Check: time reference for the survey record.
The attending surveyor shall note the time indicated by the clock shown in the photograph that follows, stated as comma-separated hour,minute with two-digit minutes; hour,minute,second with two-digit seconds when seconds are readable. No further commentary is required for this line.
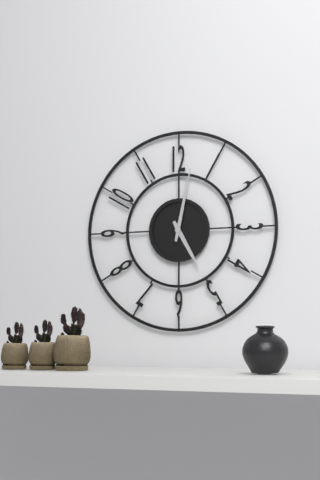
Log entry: 5,02
